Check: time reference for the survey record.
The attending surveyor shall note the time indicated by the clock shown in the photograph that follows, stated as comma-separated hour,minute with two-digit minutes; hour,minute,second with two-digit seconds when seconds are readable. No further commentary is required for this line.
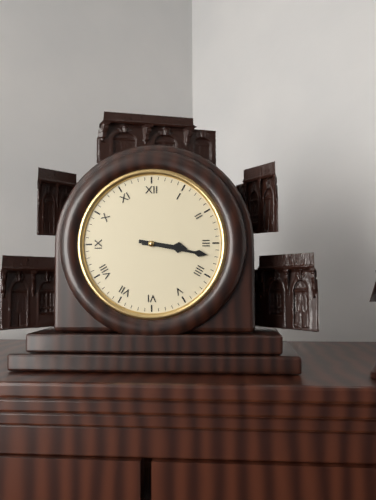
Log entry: 3,17
